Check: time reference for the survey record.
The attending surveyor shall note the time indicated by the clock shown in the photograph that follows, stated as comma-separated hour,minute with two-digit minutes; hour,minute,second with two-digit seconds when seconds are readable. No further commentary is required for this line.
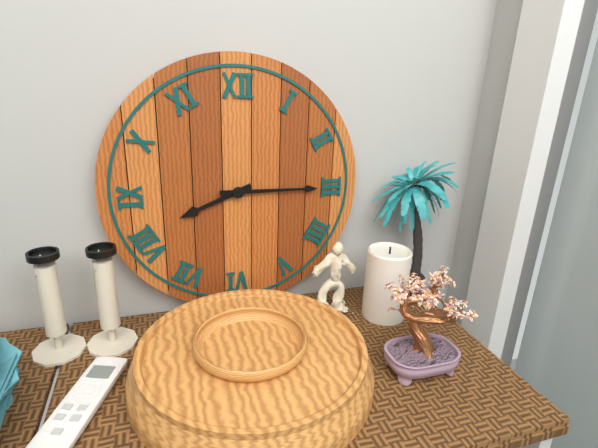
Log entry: 8,15
